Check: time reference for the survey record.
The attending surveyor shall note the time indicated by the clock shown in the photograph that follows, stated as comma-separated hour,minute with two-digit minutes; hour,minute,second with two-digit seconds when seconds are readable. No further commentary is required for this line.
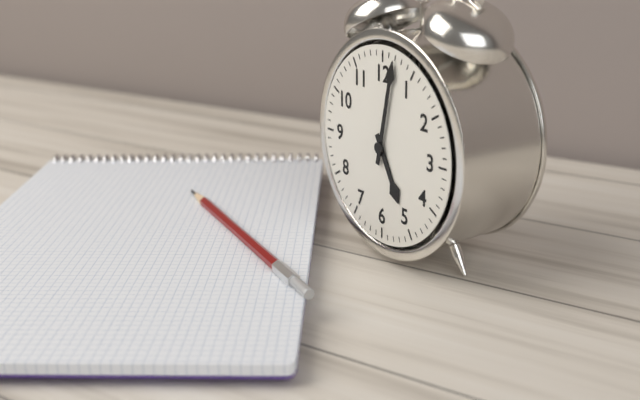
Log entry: 5,02
